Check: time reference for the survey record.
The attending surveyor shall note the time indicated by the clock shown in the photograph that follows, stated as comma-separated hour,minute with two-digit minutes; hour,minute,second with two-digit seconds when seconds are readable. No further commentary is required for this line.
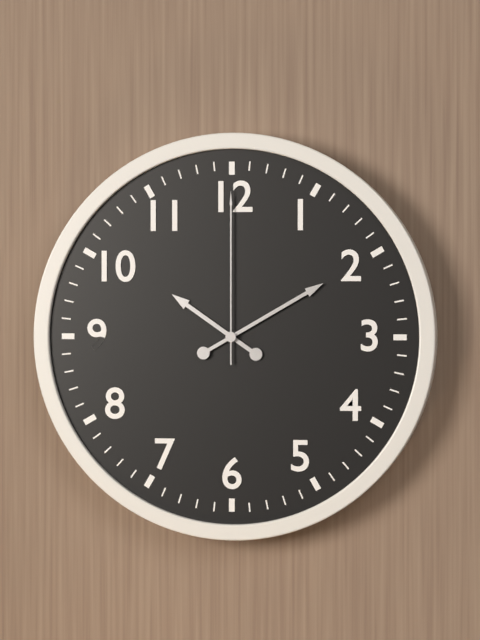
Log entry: 10,10,00
